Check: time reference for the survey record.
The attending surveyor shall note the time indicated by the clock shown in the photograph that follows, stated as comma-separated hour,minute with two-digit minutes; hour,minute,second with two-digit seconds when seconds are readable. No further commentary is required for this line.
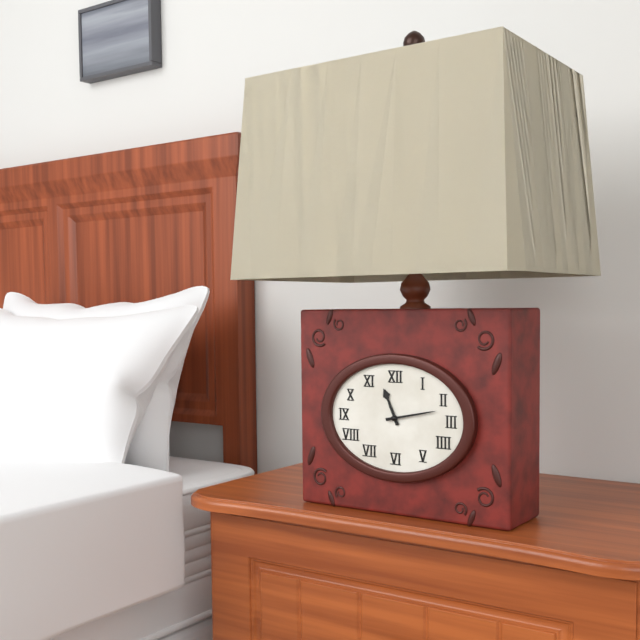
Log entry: 11,13
